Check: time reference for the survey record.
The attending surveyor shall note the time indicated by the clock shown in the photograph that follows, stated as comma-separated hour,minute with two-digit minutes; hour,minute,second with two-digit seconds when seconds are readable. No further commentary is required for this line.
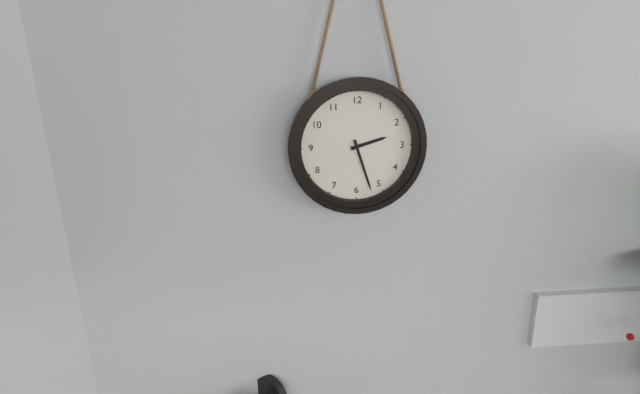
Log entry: 2,27
